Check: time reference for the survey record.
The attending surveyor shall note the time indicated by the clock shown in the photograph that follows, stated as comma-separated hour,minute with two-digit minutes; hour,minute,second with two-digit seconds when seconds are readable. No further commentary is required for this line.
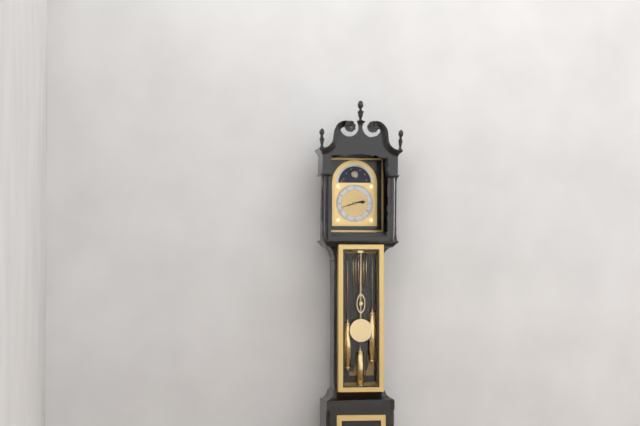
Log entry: 2,42
